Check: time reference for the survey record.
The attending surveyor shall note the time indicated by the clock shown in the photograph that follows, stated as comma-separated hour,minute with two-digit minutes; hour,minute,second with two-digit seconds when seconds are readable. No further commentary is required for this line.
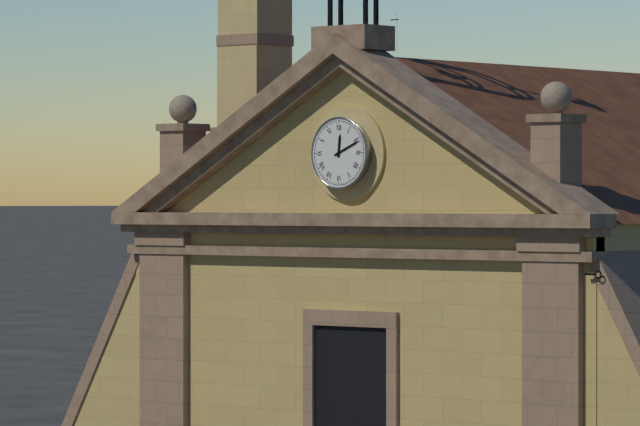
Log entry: 12,11
